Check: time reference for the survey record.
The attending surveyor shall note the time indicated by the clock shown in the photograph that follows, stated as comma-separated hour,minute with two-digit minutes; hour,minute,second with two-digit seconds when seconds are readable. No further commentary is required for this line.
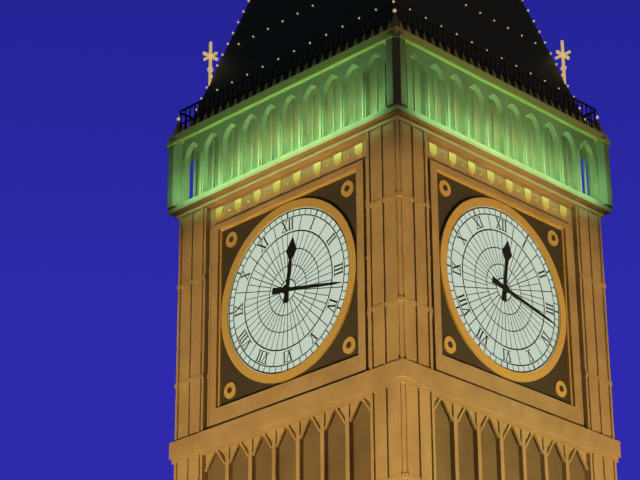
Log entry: 12,17
